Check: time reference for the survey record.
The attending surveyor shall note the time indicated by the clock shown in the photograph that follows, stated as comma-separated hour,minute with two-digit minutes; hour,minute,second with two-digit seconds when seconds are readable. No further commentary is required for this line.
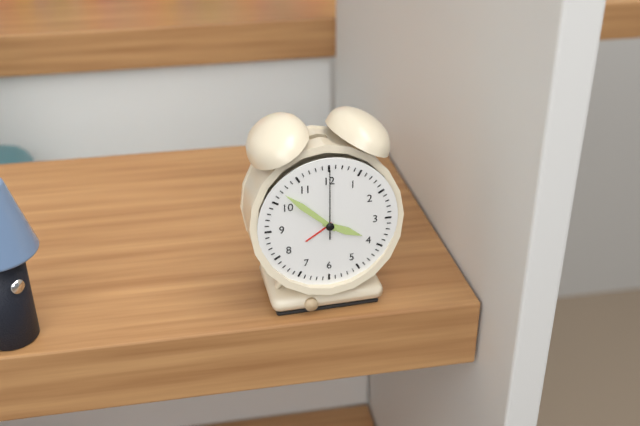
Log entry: 3,52,00
